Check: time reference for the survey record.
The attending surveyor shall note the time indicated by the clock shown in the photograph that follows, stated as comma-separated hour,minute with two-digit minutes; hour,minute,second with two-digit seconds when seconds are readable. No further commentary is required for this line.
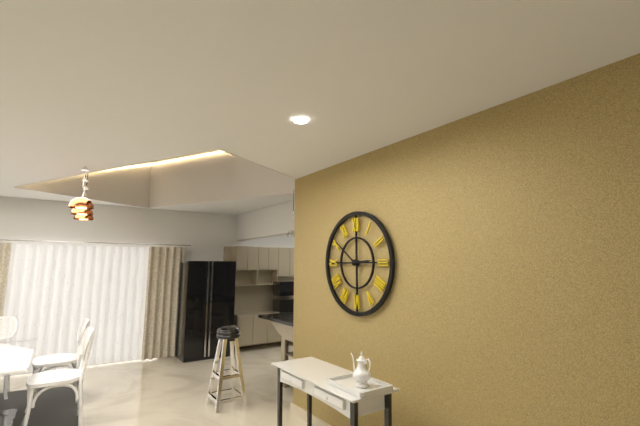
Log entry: 2,51
